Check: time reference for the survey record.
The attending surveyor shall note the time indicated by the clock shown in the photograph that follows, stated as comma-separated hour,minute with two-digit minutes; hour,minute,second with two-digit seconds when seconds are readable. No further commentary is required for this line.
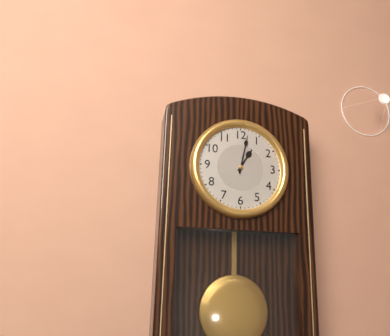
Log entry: 1,02
